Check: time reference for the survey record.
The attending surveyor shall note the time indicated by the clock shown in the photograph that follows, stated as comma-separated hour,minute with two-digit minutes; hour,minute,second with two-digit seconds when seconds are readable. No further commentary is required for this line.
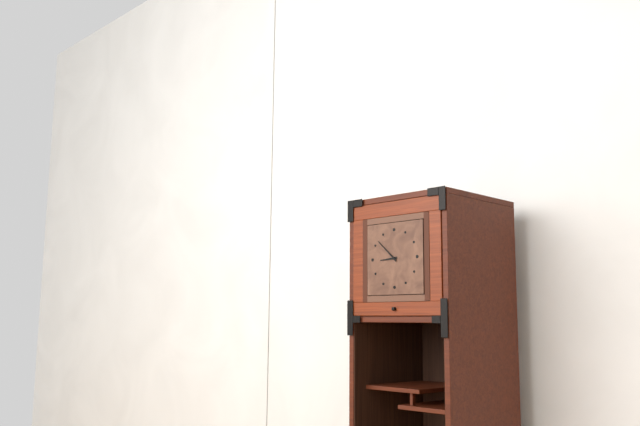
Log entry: 8,52
